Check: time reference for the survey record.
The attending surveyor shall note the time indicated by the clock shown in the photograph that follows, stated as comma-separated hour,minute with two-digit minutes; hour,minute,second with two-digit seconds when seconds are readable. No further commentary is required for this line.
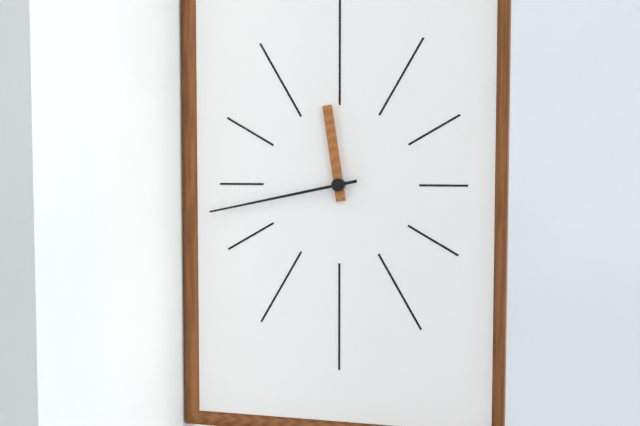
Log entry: 11,43
